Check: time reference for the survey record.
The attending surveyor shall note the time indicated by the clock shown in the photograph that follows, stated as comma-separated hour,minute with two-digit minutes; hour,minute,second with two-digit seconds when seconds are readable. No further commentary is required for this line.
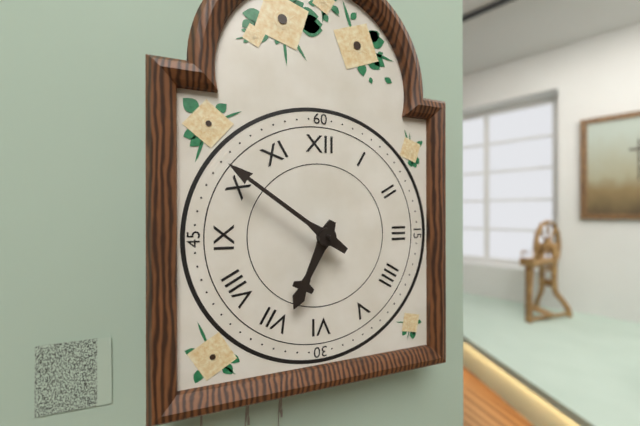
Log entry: 6,51
